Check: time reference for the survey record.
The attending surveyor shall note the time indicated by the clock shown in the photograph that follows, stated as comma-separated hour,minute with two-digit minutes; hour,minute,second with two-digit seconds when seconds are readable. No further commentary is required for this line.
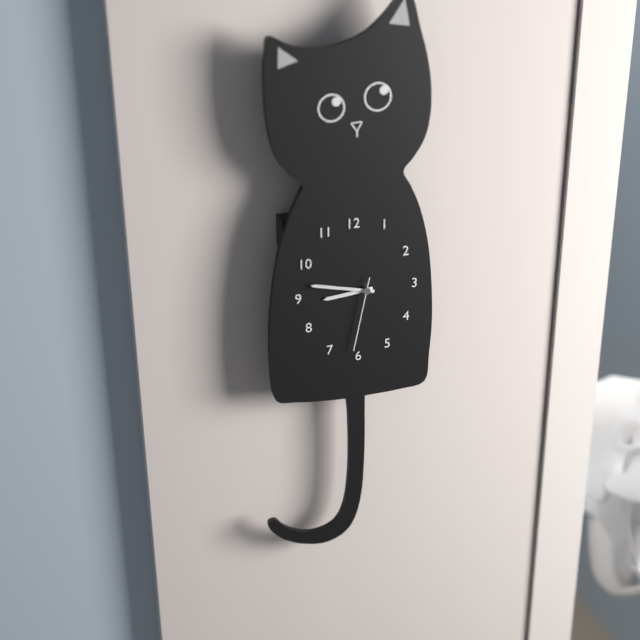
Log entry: 8,47,32
